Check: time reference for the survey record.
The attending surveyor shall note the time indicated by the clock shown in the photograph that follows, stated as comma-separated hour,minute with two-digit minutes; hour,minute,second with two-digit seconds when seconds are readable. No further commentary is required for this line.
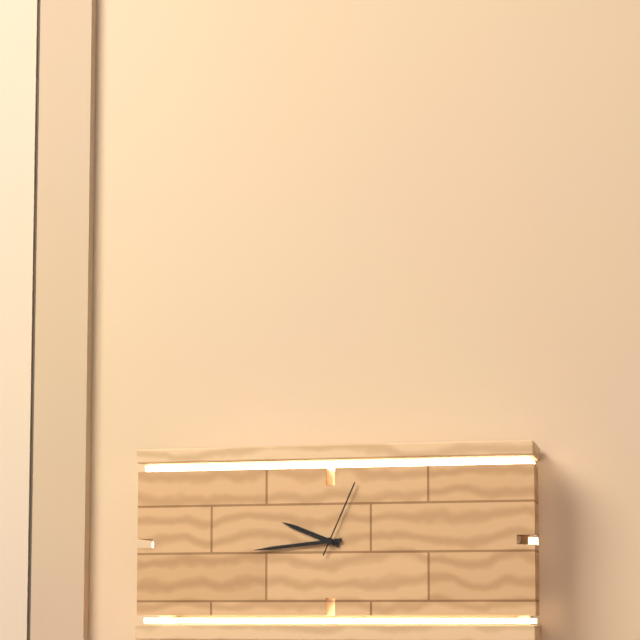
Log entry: 9,44,04
